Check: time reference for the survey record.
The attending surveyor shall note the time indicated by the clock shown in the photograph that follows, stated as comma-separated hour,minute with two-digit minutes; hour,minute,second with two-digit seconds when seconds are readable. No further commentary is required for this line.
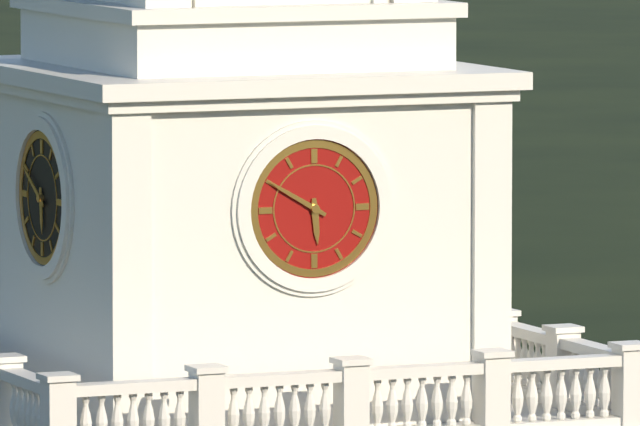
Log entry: 5,50
